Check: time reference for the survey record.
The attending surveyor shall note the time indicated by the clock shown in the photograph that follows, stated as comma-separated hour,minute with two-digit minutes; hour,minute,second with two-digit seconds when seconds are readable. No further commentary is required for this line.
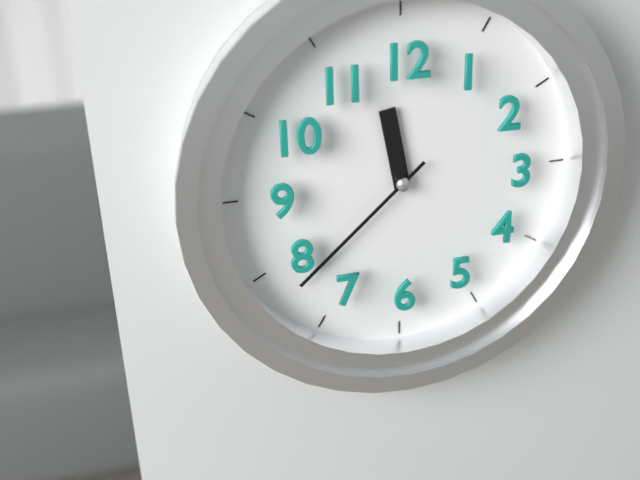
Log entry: 11,38
